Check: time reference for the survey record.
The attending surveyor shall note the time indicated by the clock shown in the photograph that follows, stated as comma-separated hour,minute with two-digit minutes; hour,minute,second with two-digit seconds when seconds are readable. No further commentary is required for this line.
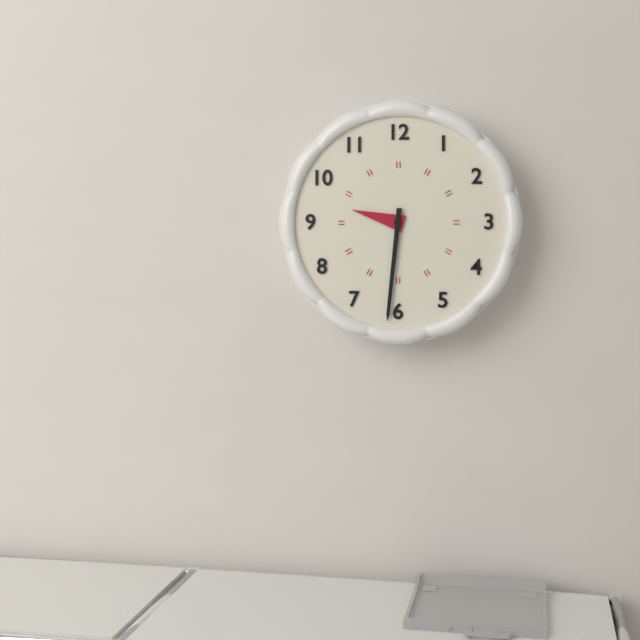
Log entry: 9,31
